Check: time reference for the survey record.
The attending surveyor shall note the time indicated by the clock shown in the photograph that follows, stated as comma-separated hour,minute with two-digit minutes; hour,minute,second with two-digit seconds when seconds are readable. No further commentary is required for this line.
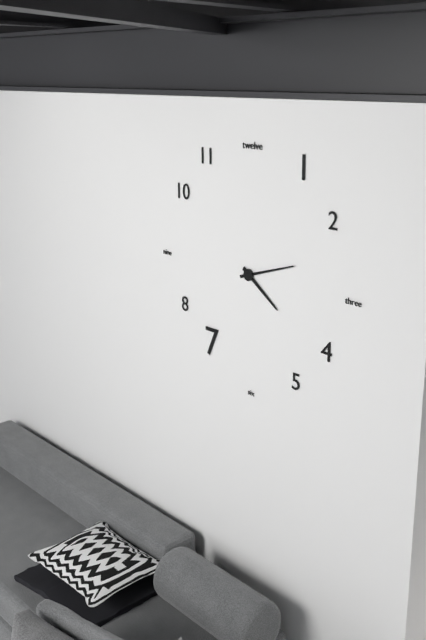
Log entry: 4,12
